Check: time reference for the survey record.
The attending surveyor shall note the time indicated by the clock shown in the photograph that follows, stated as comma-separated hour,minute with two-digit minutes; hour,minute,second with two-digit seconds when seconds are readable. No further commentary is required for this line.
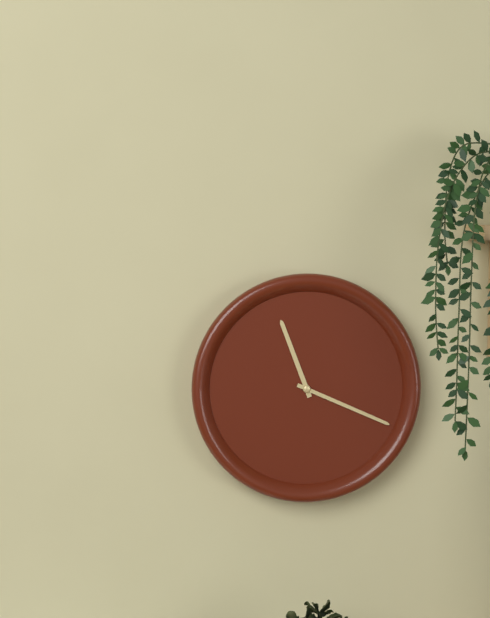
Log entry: 11,19
